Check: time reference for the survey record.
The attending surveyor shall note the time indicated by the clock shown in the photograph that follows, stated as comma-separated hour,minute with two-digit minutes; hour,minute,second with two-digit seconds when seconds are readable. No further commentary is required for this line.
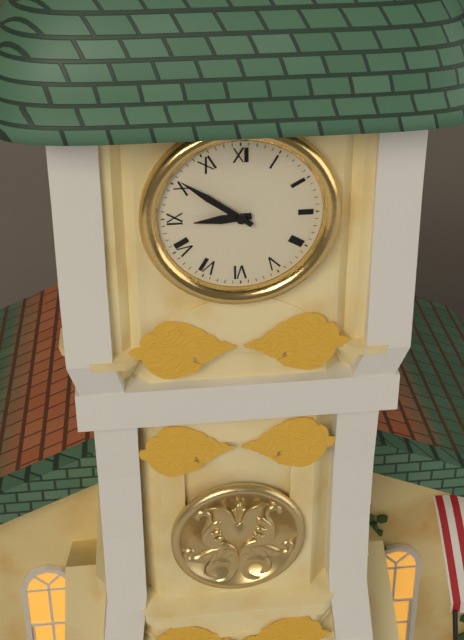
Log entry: 8,51
